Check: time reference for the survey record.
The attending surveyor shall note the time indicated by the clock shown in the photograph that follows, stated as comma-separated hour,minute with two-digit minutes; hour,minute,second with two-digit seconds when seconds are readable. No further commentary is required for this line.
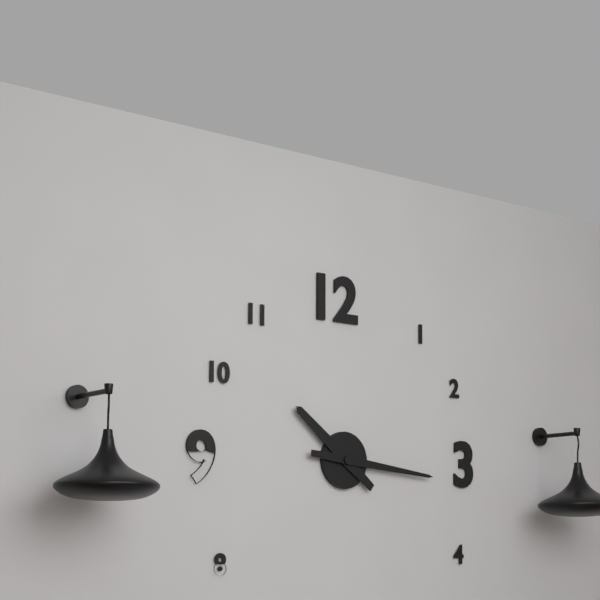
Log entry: 10,16
